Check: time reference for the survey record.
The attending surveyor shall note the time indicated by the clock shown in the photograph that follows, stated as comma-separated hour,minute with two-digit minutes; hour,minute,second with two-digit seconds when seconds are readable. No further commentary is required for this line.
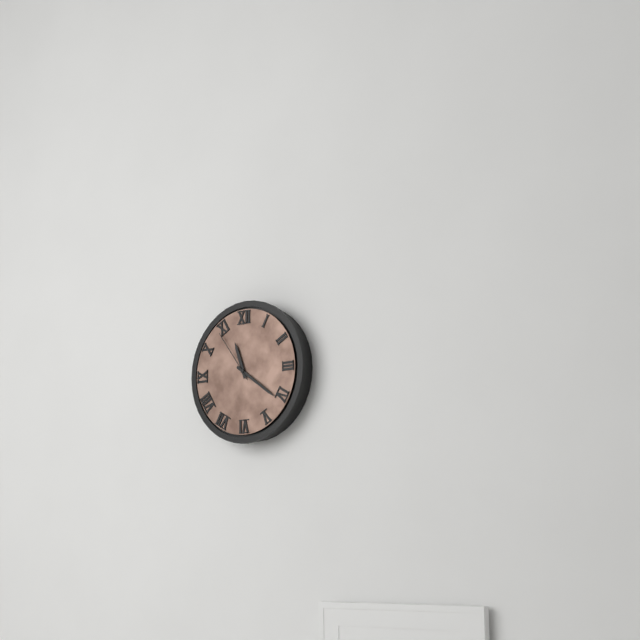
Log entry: 11,21,54
